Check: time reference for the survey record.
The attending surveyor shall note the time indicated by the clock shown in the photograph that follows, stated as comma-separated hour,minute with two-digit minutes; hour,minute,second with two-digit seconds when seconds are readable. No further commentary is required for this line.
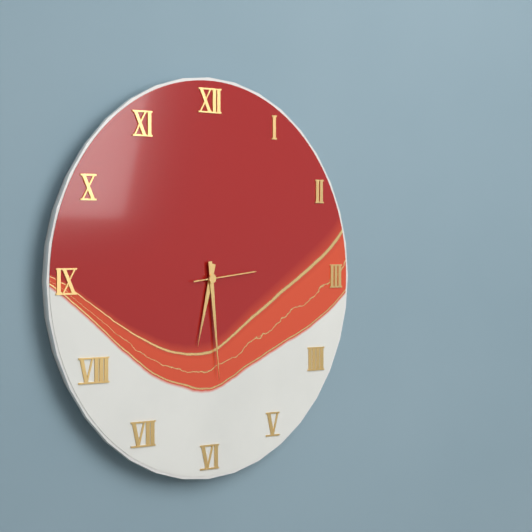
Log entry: 6,29,14
